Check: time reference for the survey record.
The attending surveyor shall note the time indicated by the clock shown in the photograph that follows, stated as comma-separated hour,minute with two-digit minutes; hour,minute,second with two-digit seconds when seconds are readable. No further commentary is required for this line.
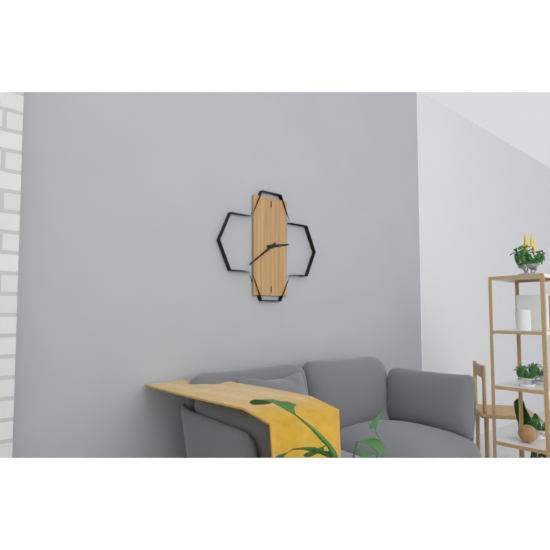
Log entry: 2,39
